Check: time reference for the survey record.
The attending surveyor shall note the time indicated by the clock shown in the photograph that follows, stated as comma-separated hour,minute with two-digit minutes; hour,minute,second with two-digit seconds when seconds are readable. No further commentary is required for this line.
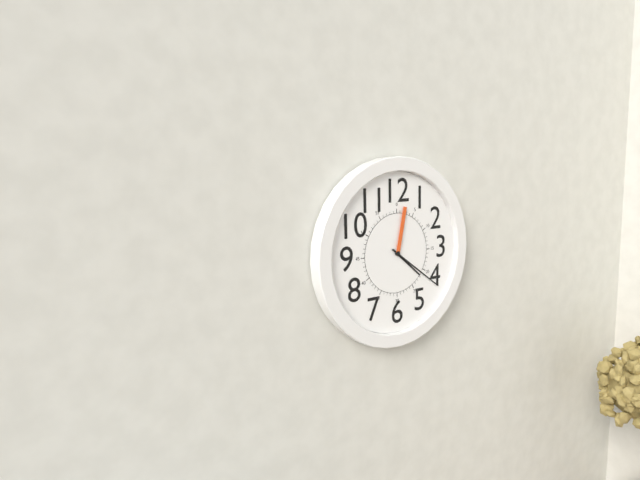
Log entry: 4,21,02
